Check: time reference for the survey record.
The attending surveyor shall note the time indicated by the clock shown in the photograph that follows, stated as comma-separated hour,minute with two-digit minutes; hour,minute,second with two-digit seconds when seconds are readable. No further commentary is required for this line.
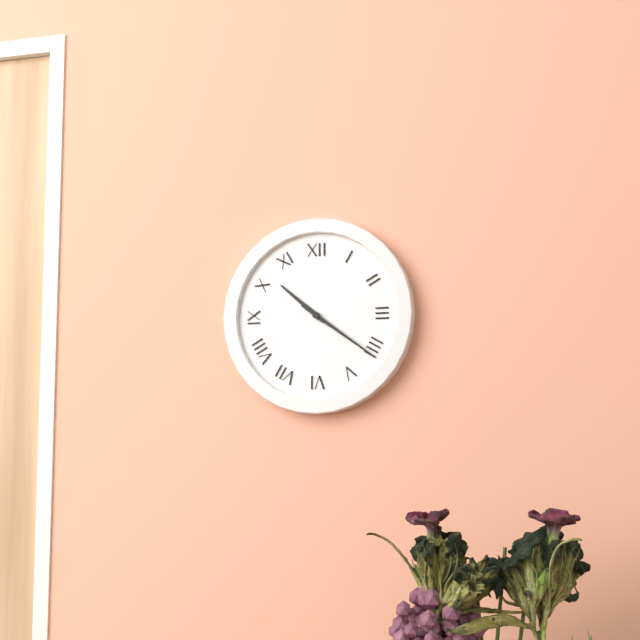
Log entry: 10,21
